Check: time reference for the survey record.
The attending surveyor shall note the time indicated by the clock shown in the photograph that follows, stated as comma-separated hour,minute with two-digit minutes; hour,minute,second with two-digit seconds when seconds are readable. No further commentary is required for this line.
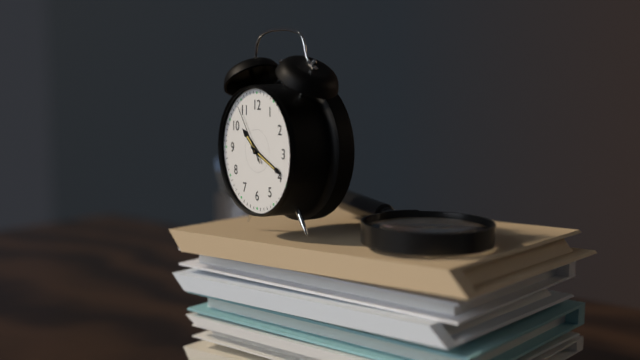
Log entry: 10,19,54
